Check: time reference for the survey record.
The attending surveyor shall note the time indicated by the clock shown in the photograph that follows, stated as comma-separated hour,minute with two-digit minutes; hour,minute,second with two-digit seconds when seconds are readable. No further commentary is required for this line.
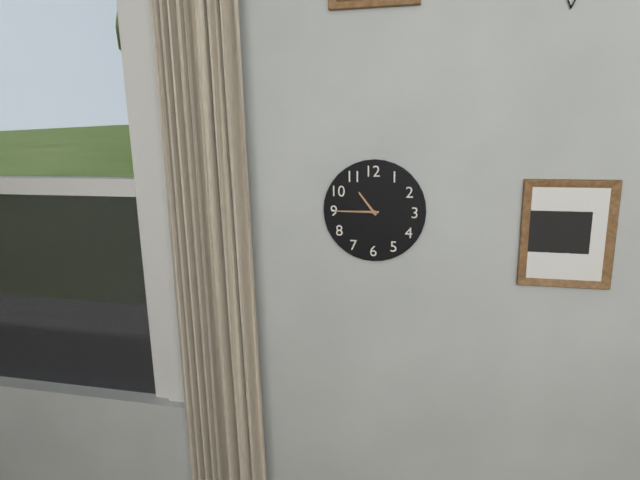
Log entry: 10,45
